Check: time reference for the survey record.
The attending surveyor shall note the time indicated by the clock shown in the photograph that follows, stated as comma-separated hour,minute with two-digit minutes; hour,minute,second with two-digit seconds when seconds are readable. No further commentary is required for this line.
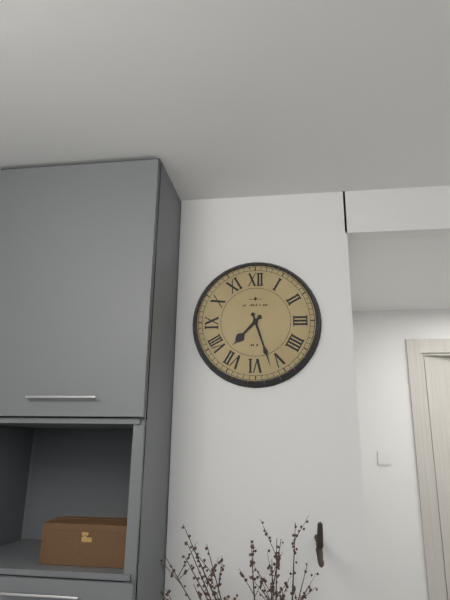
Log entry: 7,27
